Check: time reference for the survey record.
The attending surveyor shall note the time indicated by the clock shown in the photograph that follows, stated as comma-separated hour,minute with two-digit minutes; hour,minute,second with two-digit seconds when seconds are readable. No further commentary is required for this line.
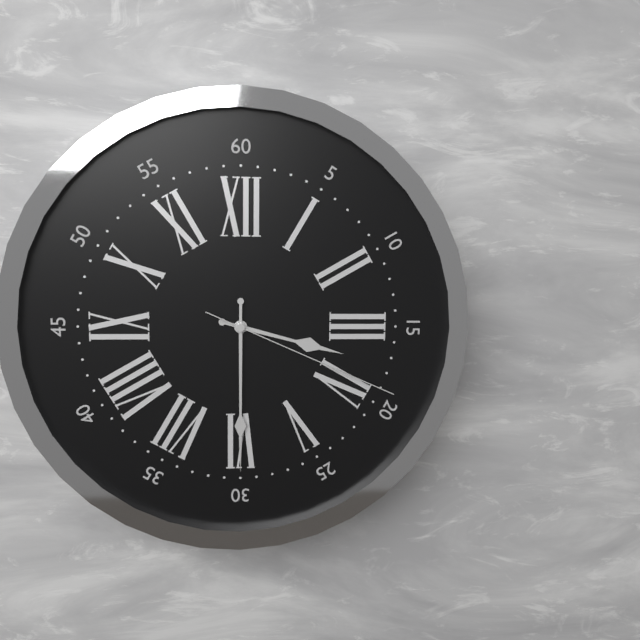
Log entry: 3,30,19
